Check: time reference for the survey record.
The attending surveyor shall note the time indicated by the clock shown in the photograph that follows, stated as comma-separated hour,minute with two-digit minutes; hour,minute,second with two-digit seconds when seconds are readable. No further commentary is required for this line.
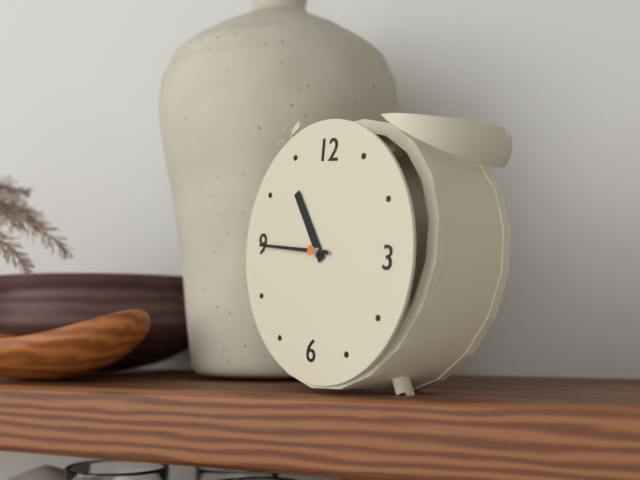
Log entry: 10,45
